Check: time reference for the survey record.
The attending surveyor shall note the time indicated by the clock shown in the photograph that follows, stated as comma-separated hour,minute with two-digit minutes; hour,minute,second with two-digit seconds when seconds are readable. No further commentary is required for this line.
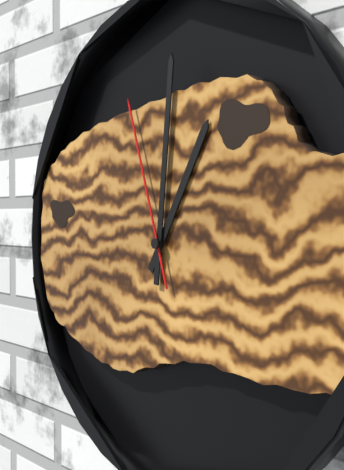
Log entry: 1,01,57
